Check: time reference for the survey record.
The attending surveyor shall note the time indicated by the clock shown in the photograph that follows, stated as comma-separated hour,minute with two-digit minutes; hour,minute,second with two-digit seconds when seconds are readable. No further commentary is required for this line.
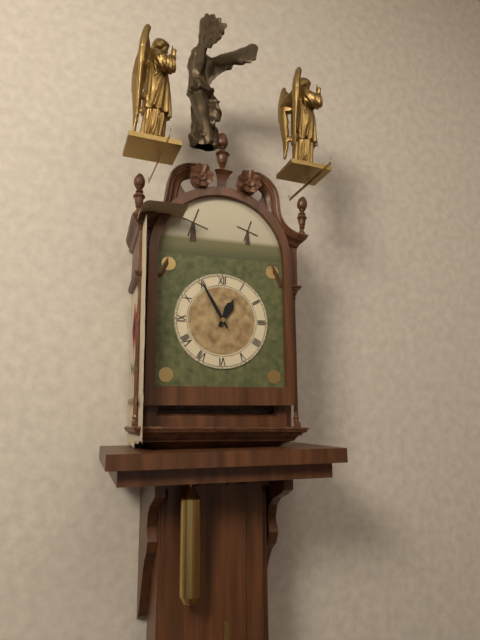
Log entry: 12,55
